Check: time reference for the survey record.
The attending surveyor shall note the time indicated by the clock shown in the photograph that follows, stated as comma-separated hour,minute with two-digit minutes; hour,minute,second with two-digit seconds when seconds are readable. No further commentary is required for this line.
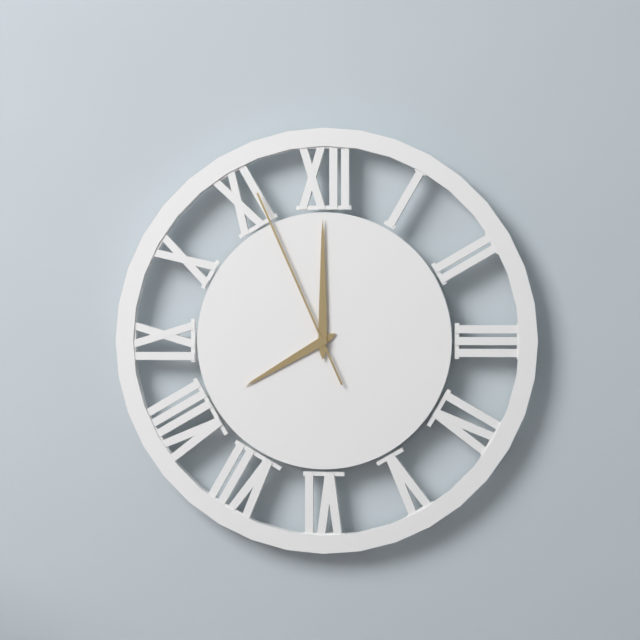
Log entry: 8,00,56
